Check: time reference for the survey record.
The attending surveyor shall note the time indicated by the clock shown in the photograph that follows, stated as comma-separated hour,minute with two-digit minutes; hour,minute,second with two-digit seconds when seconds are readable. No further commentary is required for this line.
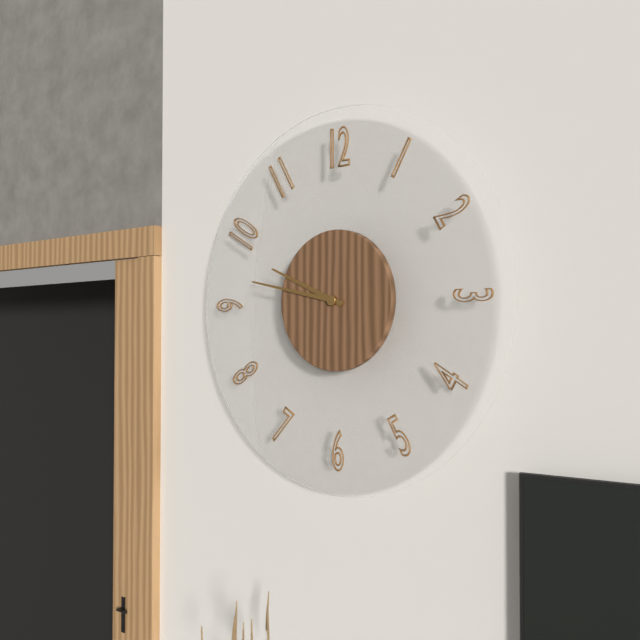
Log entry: 9,47
